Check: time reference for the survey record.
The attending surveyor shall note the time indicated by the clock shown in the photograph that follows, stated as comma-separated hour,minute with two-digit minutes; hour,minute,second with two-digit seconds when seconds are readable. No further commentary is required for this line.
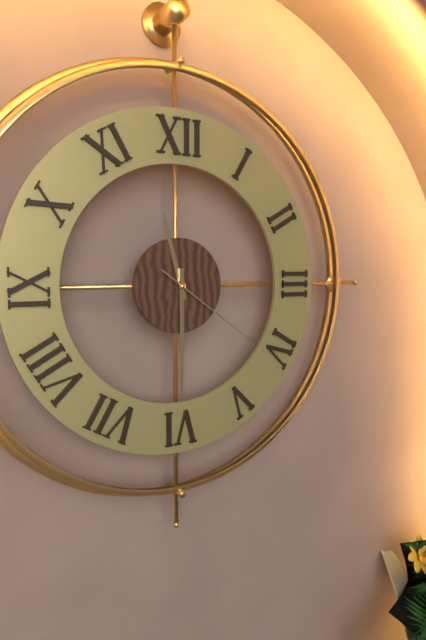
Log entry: 11,30,21
